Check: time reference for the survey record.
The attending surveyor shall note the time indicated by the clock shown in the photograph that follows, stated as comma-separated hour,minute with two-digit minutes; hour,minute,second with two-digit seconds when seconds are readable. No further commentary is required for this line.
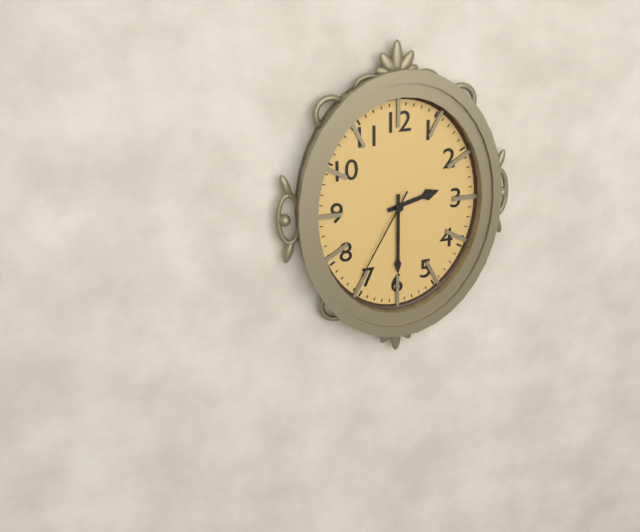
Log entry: 2,30,35
